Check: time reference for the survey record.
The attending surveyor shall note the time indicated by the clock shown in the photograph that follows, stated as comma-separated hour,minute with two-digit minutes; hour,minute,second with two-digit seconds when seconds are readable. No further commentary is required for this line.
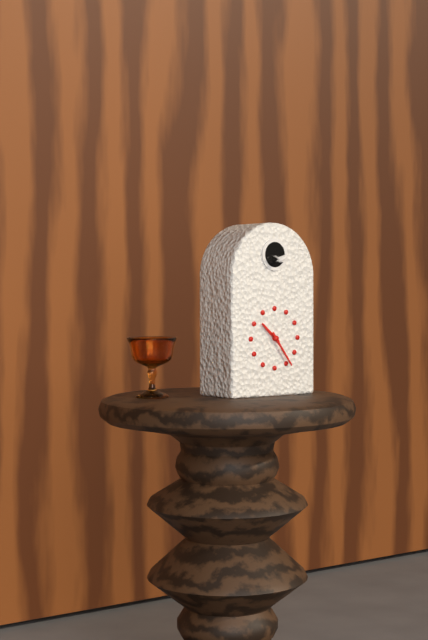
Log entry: 10,24
